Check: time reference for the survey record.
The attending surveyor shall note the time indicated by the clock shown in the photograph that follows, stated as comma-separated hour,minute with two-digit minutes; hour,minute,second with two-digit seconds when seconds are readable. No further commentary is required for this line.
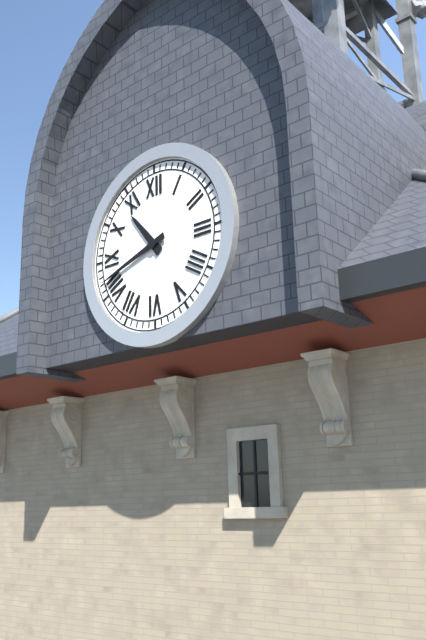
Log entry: 10,42
